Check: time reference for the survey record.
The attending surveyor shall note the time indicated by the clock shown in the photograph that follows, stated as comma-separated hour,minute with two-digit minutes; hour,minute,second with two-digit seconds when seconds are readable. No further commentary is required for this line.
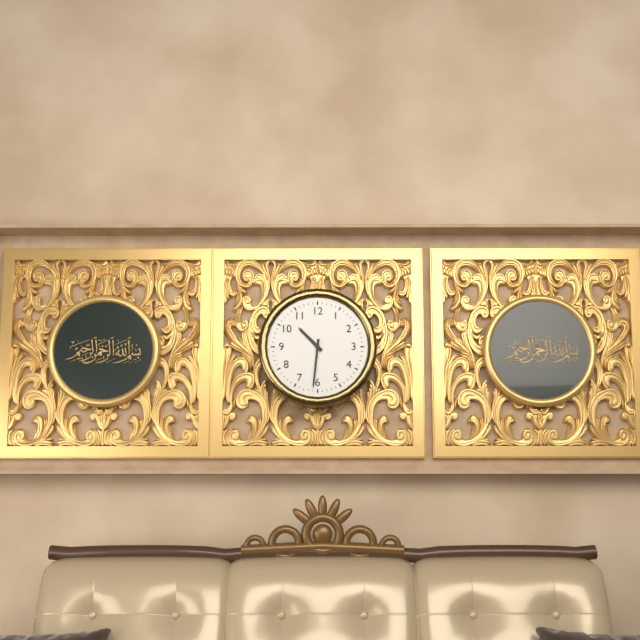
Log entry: 10,31
